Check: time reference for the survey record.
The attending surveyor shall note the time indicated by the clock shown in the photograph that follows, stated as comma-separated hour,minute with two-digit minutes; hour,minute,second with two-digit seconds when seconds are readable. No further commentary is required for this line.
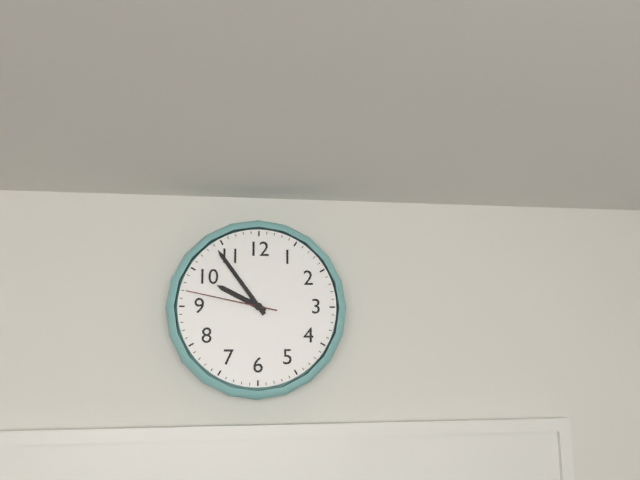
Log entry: 9,54,47
